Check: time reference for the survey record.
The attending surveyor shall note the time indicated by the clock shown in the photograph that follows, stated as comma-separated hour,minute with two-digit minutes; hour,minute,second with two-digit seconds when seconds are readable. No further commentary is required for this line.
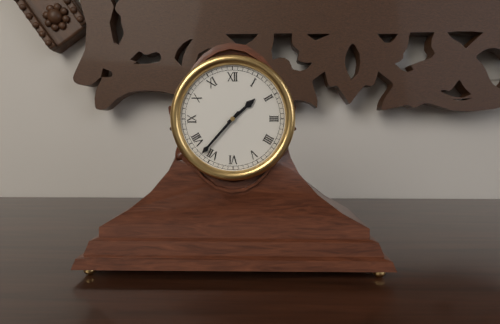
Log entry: 1,37
